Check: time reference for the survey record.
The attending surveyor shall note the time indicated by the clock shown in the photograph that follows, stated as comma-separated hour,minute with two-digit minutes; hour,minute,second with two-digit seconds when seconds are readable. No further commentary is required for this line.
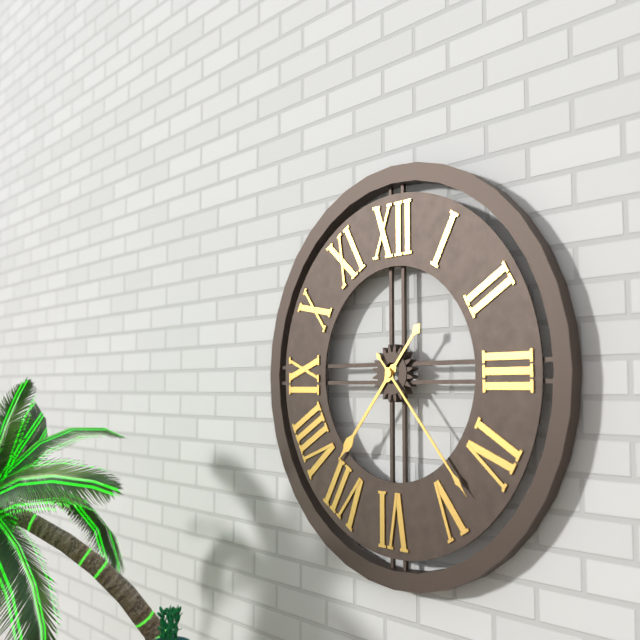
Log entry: 7,23
